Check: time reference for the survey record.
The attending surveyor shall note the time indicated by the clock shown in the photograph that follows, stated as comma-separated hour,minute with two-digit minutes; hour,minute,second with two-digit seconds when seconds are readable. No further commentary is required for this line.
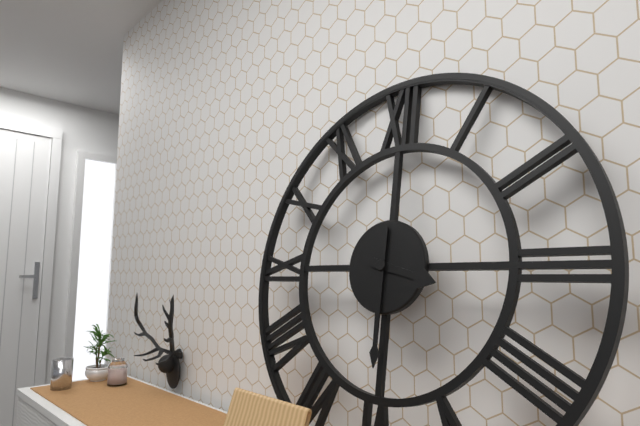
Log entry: 3,30
